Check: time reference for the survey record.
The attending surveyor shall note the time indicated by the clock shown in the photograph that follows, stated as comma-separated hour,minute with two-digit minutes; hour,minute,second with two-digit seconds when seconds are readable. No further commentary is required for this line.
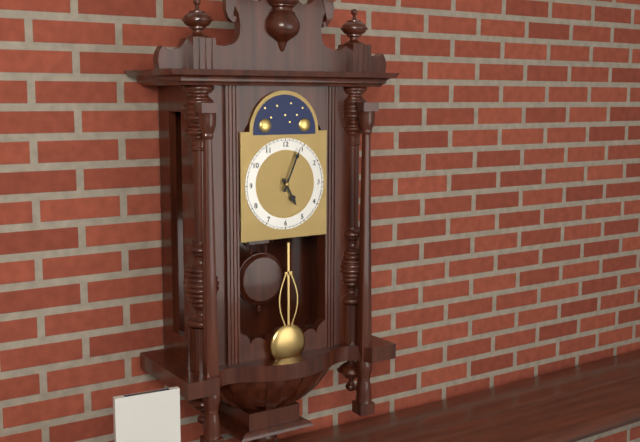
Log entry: 5,04
